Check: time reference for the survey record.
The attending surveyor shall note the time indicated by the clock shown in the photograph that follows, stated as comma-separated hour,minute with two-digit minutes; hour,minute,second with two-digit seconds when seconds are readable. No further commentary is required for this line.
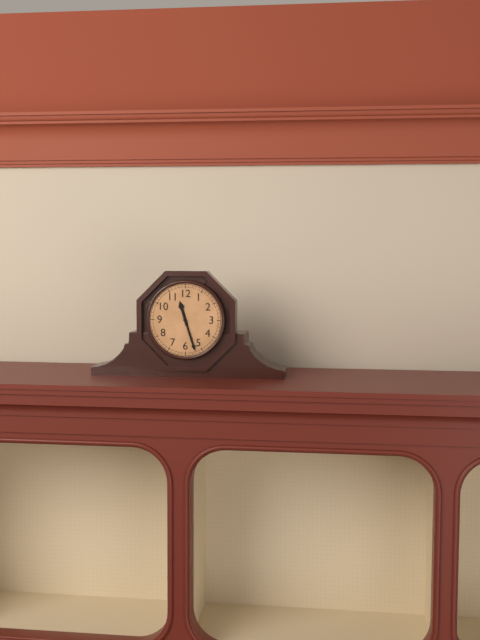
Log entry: 11,27
